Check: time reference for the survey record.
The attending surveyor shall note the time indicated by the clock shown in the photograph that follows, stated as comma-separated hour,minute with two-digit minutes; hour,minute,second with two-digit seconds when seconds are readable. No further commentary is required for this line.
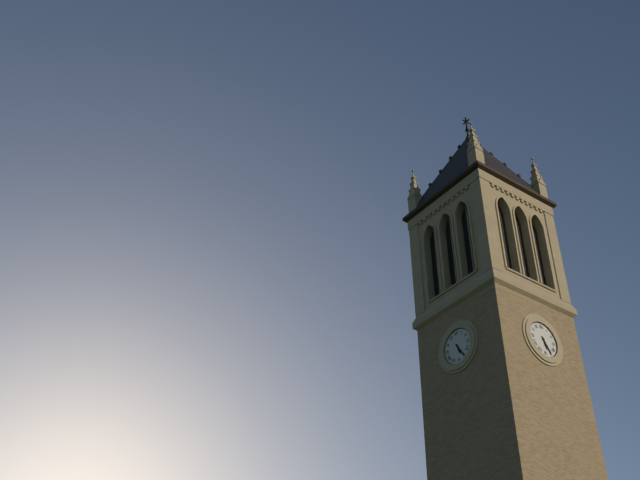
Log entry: 5,25
